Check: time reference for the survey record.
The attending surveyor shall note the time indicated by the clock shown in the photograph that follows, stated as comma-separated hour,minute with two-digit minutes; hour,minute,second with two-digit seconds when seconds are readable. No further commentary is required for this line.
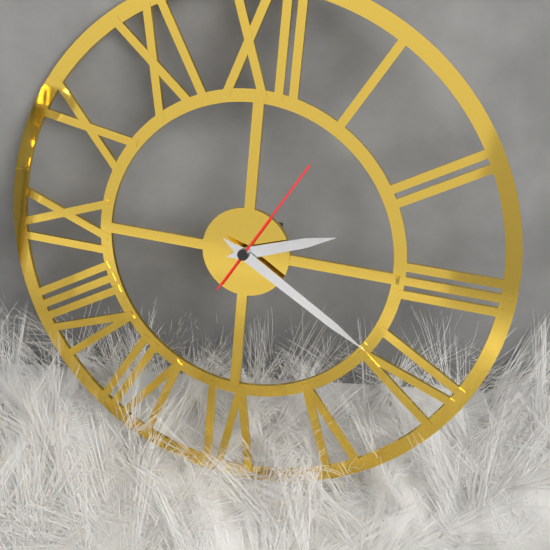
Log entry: 2,20,05
